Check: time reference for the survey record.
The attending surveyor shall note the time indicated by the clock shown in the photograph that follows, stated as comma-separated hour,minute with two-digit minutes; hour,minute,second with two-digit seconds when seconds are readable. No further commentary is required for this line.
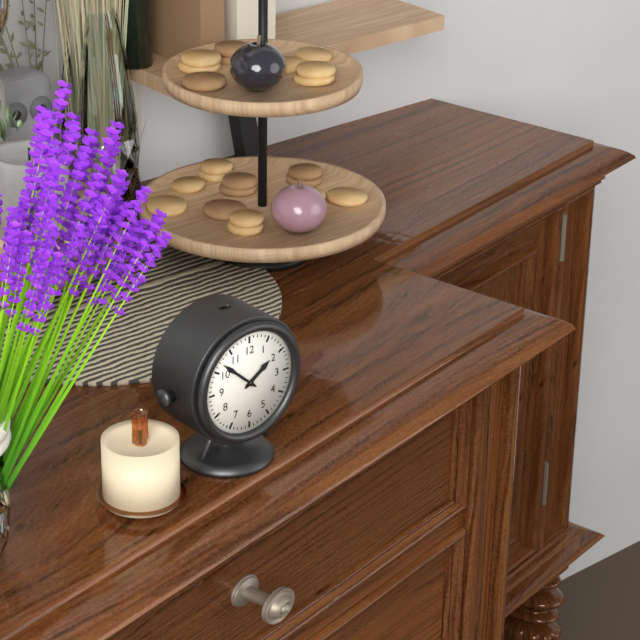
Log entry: 1,52
